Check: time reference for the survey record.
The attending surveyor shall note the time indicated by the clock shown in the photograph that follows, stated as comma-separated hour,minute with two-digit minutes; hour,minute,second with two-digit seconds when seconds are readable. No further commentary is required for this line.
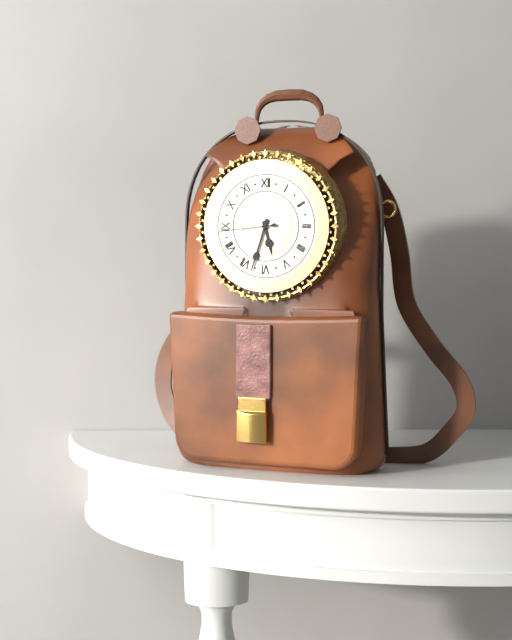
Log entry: 5,33,44
